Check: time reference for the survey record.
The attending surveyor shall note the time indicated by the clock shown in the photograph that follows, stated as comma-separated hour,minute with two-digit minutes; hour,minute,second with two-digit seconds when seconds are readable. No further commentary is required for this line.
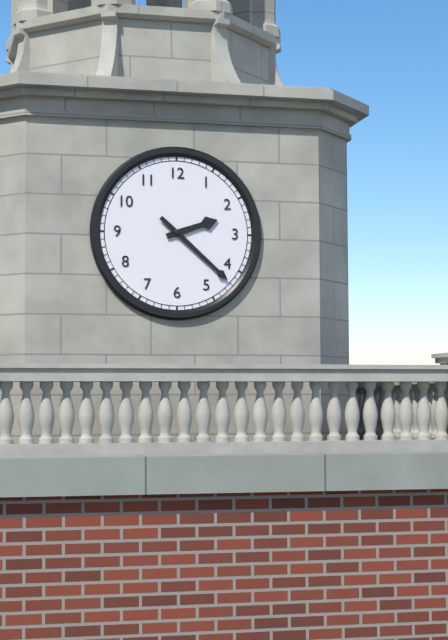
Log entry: 2,22
